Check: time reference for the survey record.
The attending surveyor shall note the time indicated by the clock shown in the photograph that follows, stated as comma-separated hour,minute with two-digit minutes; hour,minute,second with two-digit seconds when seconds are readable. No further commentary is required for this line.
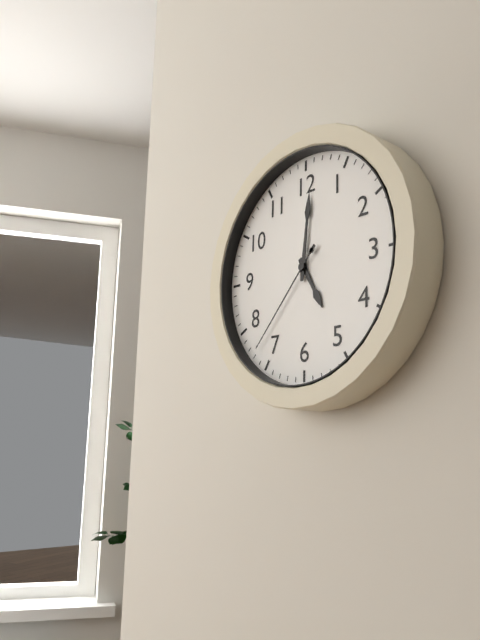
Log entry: 5,01,37
